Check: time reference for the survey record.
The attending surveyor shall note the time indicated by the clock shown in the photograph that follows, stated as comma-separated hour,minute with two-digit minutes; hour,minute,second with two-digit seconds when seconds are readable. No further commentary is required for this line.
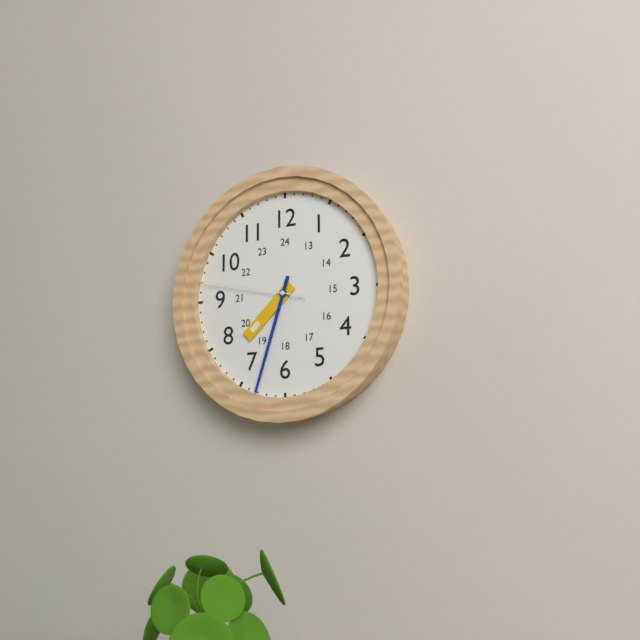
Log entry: 7,33,47
